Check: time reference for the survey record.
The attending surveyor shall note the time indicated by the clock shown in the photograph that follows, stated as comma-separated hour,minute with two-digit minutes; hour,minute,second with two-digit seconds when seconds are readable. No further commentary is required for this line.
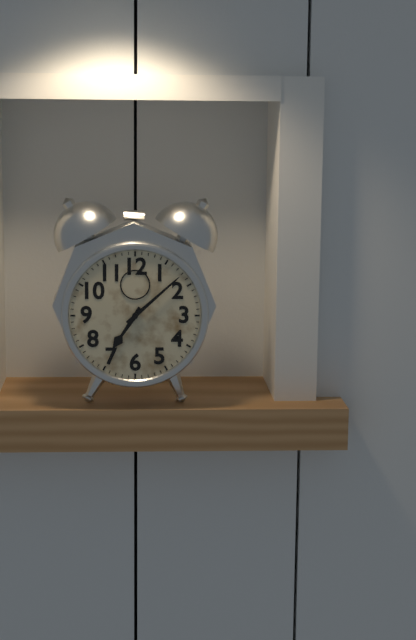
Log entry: 7,08
